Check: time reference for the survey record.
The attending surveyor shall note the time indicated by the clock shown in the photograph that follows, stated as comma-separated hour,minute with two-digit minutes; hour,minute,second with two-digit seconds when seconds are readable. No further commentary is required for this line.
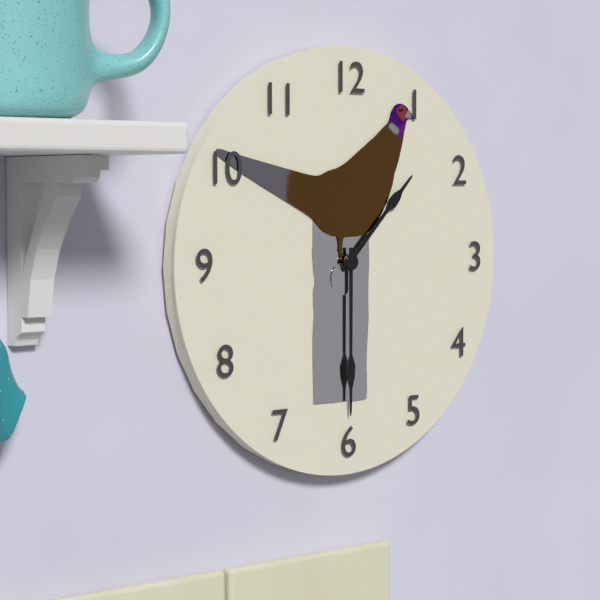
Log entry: 1,30
